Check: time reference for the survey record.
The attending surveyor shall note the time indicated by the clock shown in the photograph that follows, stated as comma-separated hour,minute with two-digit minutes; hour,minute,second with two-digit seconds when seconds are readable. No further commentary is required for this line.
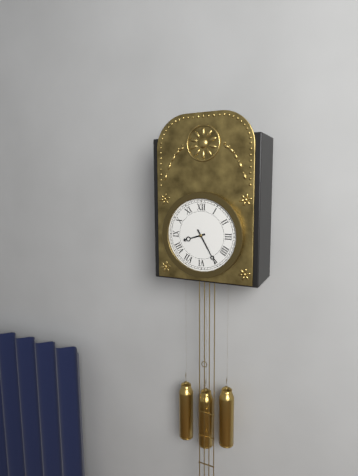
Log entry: 8,25
